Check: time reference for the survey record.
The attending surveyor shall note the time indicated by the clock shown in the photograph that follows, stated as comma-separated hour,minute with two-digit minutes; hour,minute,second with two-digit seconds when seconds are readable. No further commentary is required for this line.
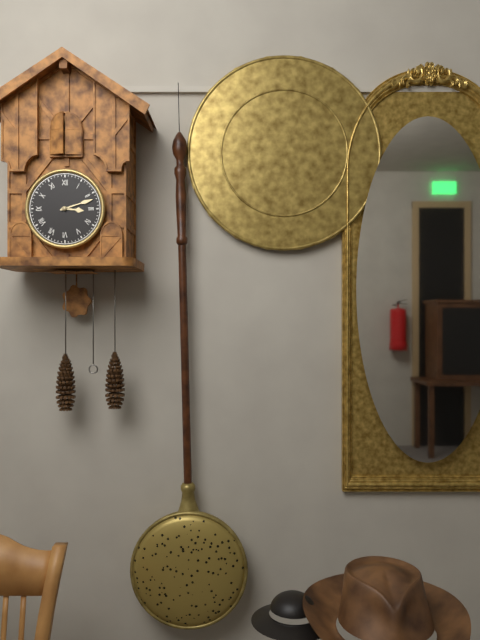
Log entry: 3,12
